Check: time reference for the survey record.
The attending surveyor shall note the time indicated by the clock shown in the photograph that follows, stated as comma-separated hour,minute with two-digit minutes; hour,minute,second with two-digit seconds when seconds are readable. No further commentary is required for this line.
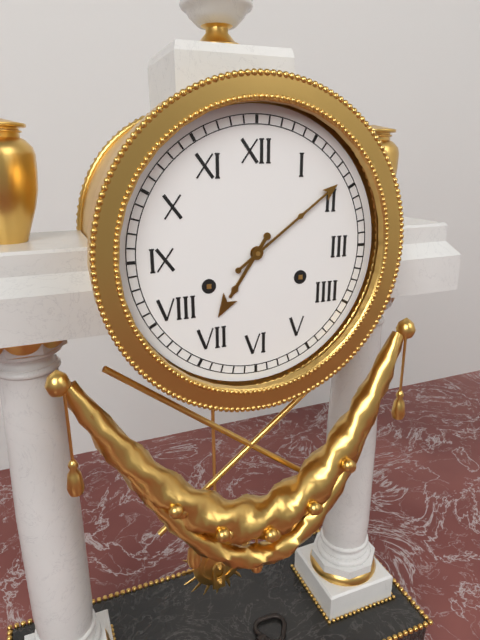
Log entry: 7,09
